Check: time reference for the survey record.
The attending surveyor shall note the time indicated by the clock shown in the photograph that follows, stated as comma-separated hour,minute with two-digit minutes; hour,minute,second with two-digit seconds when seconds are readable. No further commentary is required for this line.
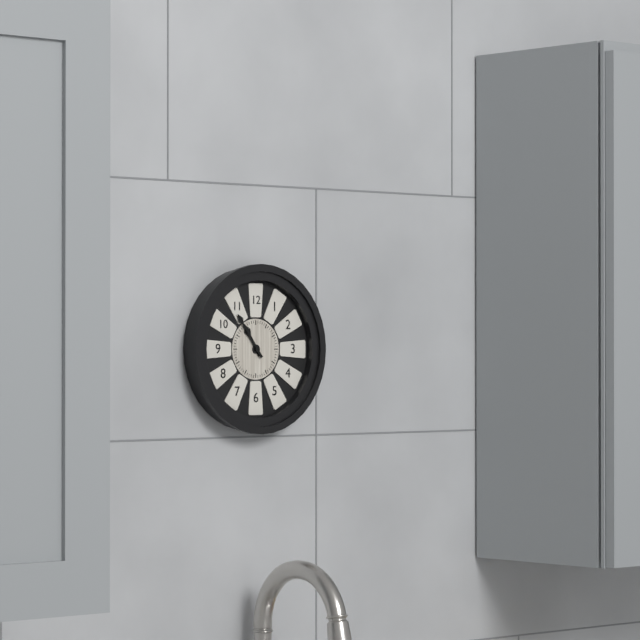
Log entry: 10,54
